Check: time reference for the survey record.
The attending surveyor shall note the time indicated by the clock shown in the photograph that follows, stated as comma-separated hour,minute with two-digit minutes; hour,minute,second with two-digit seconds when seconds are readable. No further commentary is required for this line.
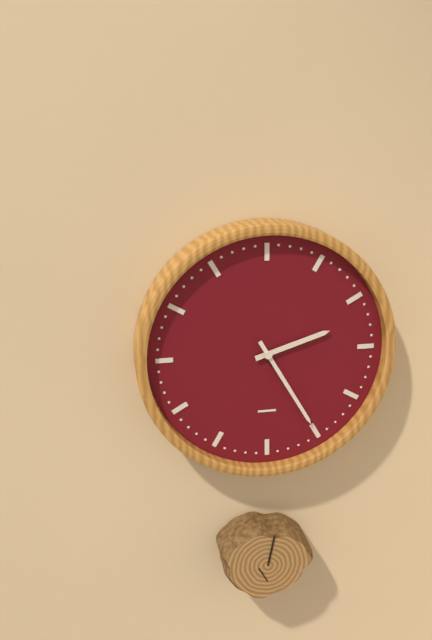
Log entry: 2,25
